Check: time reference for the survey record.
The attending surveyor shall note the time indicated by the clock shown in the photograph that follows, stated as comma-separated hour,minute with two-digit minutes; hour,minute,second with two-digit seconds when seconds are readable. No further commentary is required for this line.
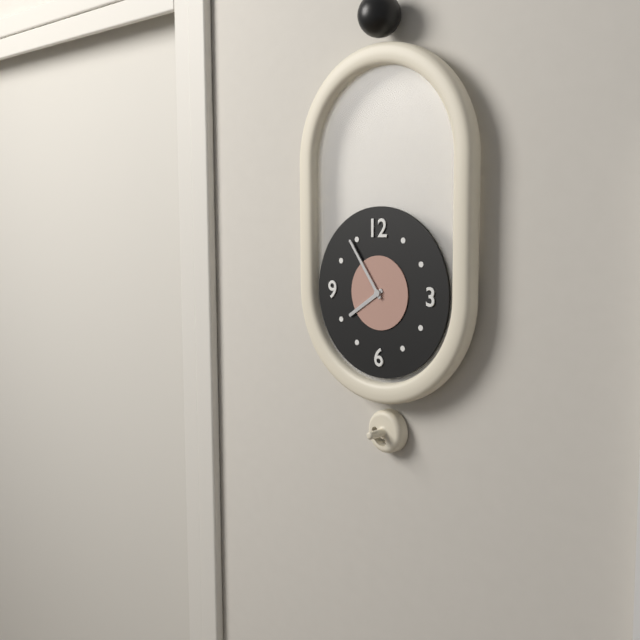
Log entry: 7,54
